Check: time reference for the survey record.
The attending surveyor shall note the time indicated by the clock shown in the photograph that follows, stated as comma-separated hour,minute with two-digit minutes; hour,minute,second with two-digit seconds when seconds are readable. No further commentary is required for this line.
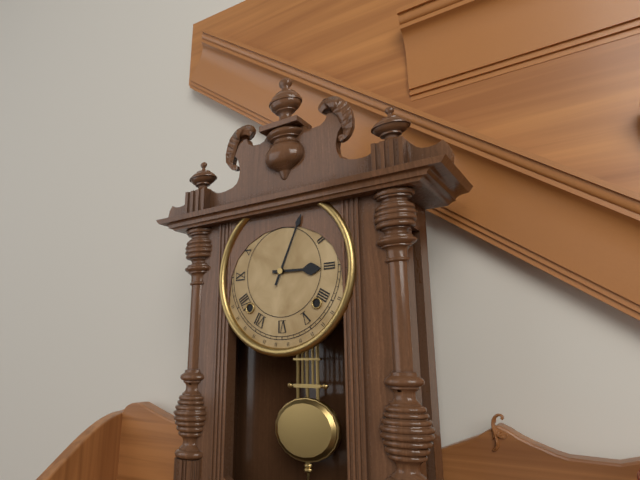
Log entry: 3,04
